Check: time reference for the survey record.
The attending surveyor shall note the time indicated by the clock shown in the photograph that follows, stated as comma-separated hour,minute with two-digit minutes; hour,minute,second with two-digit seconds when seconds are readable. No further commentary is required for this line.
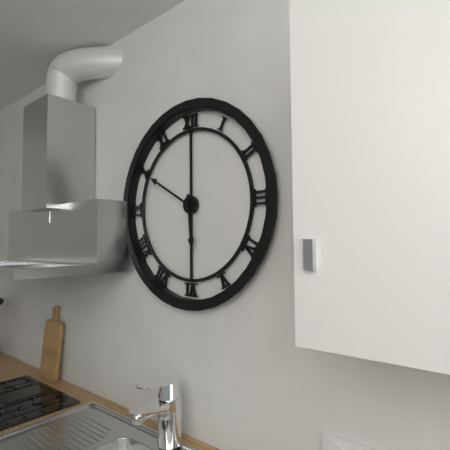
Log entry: 5,50
